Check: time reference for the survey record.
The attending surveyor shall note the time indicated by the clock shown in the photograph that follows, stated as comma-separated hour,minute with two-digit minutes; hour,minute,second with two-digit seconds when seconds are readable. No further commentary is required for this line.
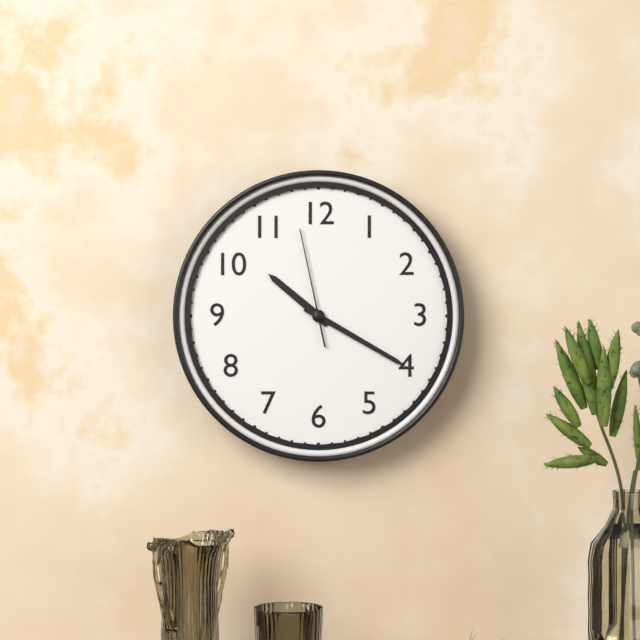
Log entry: 10,20,58
